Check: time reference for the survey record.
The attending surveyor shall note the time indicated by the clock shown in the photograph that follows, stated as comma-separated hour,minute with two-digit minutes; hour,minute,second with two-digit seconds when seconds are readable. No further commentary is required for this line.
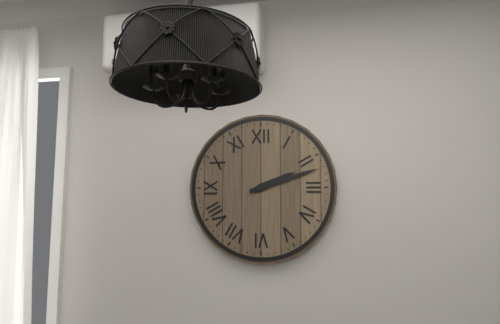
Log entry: 2,12
